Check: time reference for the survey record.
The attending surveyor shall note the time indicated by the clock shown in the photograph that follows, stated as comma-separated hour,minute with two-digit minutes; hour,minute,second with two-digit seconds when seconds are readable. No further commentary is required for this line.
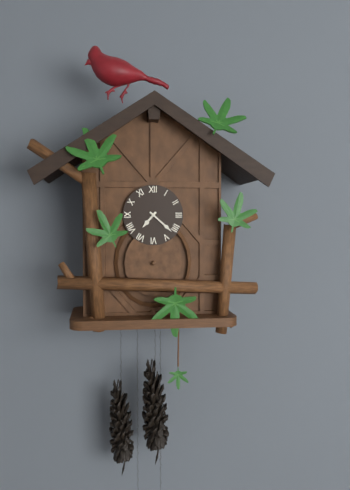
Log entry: 7,22
